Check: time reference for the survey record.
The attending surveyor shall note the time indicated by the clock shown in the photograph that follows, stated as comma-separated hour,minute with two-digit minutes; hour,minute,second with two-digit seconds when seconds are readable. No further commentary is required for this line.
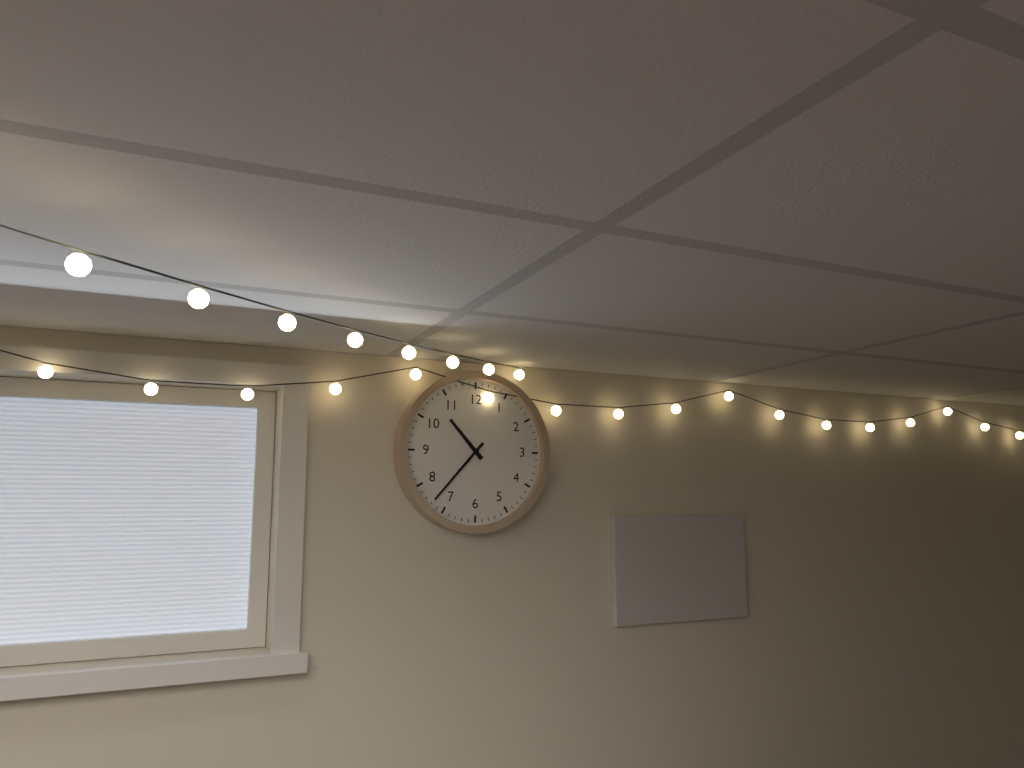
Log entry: 10,37
